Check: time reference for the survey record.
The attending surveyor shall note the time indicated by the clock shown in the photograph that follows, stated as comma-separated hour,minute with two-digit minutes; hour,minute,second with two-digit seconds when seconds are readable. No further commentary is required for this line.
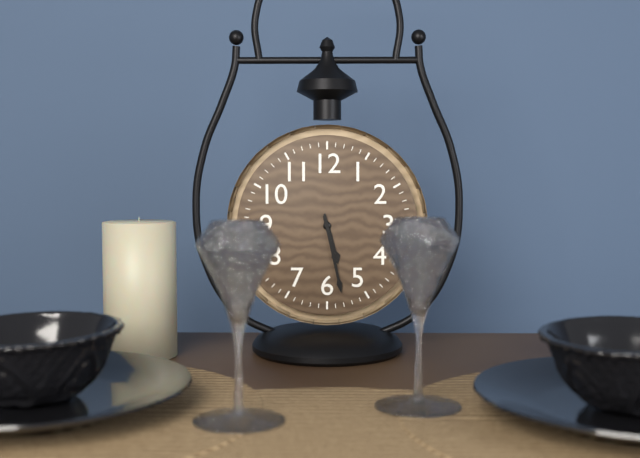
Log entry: 5,28
